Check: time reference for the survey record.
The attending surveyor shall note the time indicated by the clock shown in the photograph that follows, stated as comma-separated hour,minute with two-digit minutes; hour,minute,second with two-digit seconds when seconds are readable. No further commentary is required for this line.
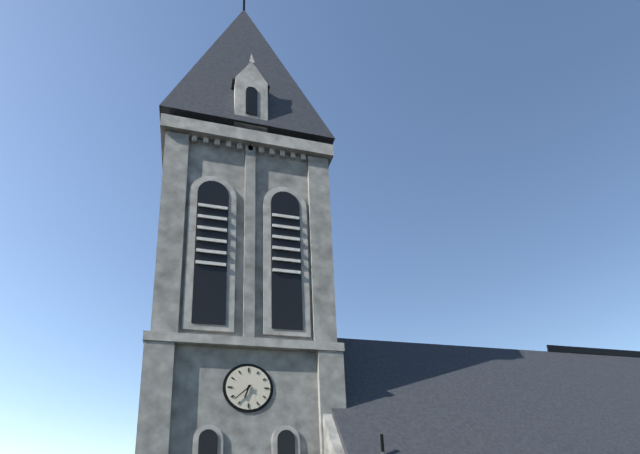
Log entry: 6,38
